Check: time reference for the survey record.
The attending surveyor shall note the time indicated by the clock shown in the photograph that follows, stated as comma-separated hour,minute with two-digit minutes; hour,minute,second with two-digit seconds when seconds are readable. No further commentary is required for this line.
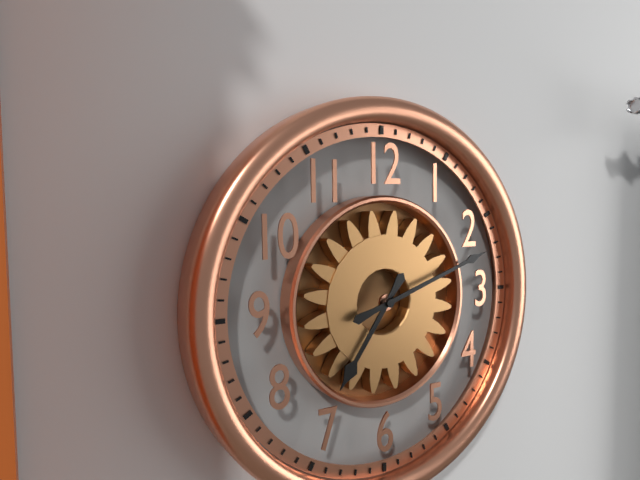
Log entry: 7,12
